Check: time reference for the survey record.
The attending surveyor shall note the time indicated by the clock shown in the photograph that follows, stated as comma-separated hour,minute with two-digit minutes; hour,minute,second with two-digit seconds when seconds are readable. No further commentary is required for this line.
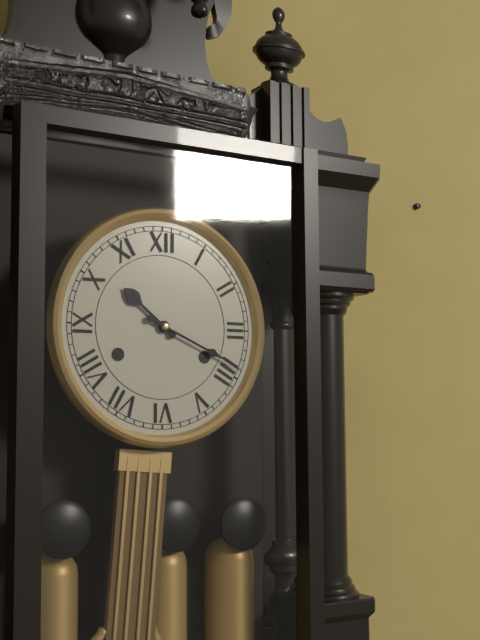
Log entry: 10,19
